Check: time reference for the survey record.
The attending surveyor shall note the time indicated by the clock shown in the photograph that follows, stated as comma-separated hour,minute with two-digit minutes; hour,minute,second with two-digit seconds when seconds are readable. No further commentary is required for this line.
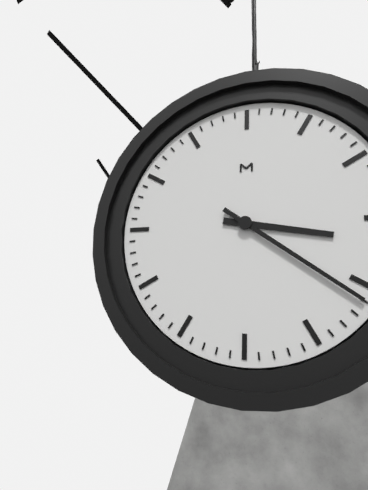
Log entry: 3,21
